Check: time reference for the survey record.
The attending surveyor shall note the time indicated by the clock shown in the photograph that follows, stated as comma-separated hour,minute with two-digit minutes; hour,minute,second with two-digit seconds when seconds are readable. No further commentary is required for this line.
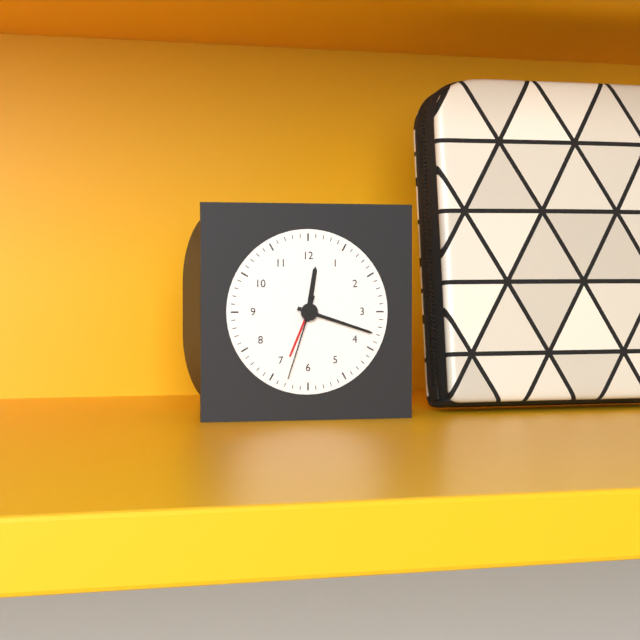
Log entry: 12,18,33
